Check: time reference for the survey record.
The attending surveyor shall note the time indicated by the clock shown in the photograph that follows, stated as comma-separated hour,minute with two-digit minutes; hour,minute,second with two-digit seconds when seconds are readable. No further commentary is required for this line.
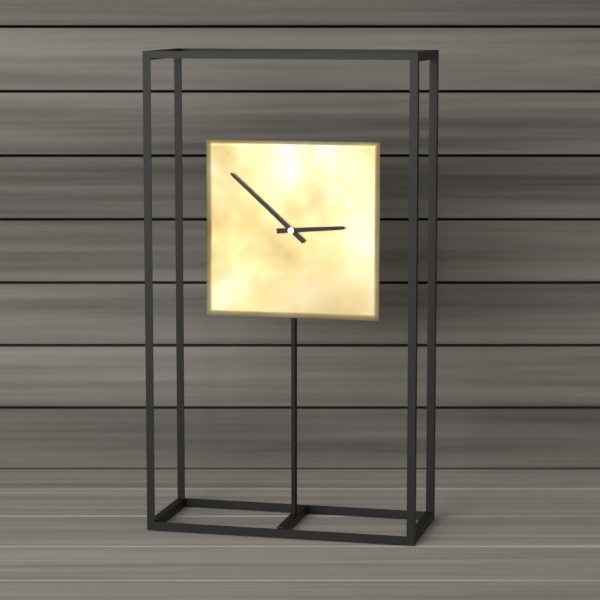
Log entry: 2,52
